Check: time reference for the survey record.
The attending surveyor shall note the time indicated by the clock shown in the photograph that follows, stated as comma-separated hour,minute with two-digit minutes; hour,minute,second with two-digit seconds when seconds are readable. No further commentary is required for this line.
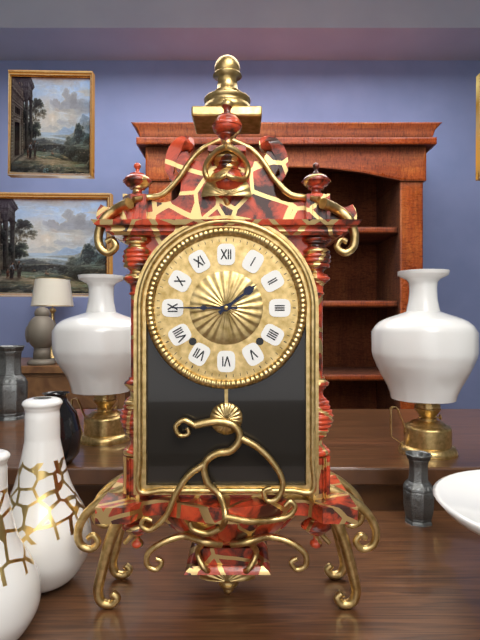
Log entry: 1,45
